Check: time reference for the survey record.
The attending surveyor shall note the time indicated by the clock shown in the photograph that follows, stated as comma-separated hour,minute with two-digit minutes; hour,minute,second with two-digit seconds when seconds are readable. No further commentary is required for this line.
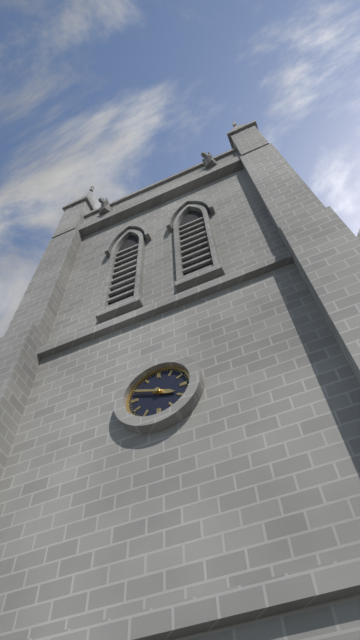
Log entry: 3,49
